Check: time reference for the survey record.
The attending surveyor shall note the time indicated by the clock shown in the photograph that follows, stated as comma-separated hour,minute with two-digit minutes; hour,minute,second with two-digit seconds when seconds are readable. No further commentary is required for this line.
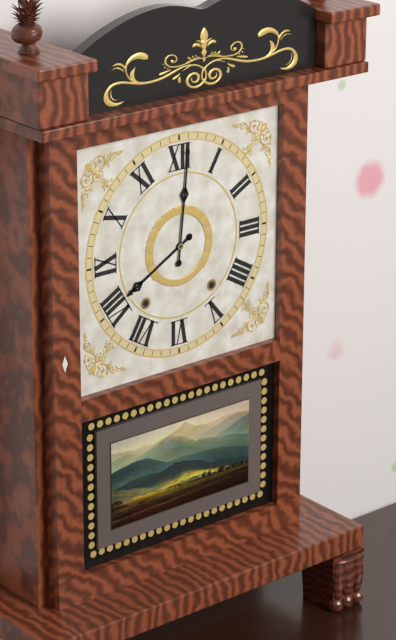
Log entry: 8,01
